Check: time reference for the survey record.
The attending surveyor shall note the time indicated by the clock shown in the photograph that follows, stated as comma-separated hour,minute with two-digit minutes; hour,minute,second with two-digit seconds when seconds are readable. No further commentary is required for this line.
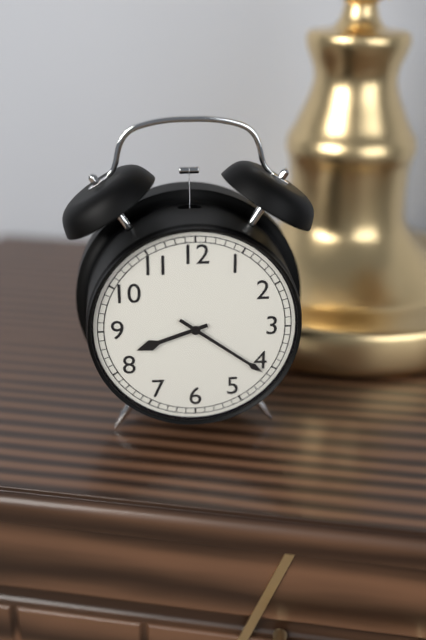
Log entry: 8,21
